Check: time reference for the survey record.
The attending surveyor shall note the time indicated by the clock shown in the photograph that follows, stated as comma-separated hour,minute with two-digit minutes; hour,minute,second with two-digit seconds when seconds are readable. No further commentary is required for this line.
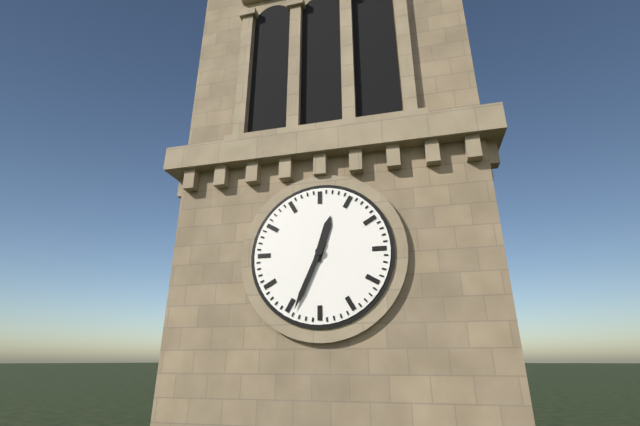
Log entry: 12,34
